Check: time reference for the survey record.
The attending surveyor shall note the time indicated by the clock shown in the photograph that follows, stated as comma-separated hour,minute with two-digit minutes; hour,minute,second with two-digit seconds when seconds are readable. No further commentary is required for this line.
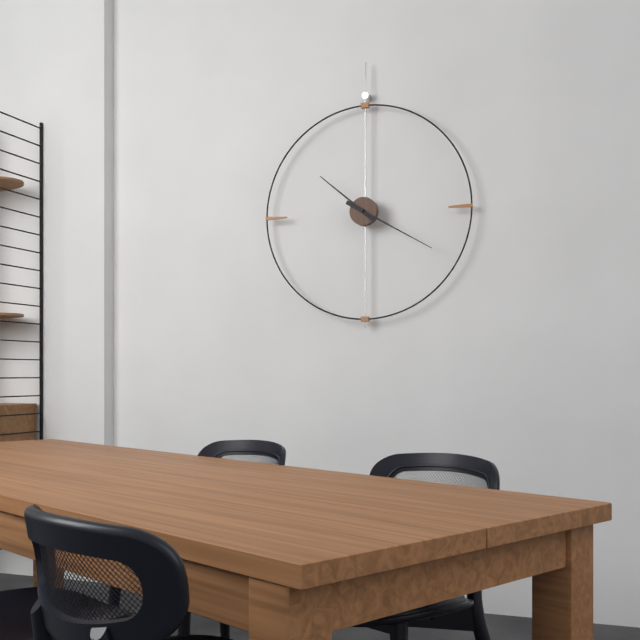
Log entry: 10,20
